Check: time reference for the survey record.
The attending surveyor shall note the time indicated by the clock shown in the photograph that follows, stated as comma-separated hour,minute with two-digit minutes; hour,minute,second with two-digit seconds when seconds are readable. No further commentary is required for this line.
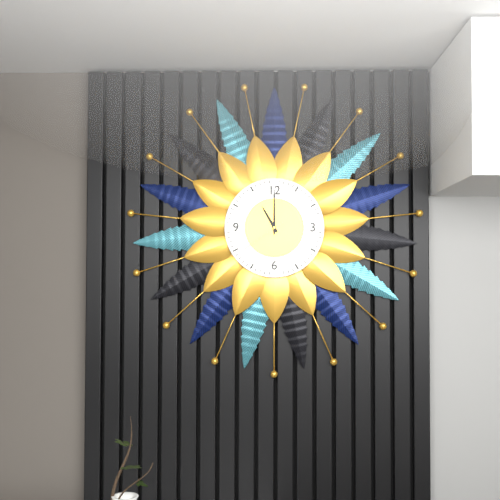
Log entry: 11,00,39
